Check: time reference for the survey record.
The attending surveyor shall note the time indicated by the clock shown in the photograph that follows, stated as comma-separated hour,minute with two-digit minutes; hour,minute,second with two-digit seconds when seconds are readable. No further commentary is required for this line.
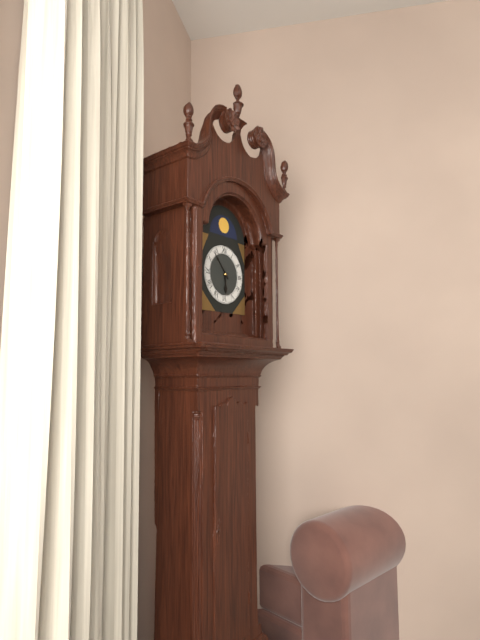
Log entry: 5,53
